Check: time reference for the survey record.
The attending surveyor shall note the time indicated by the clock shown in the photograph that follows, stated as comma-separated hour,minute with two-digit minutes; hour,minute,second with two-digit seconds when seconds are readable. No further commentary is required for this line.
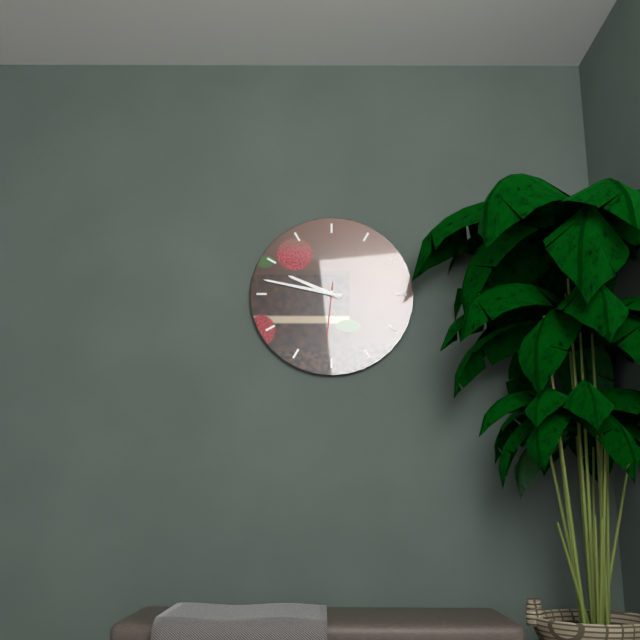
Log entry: 9,47,31
